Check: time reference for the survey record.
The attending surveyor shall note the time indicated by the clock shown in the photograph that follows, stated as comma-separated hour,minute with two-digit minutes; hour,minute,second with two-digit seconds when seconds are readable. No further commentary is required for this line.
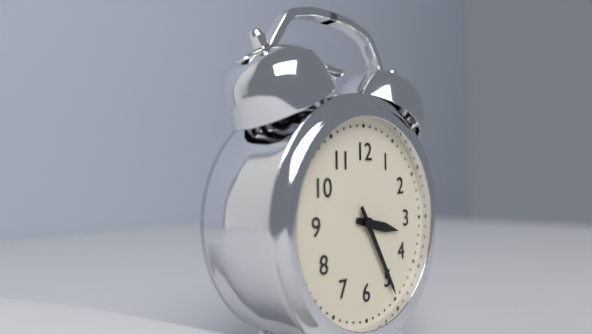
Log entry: 3,25
